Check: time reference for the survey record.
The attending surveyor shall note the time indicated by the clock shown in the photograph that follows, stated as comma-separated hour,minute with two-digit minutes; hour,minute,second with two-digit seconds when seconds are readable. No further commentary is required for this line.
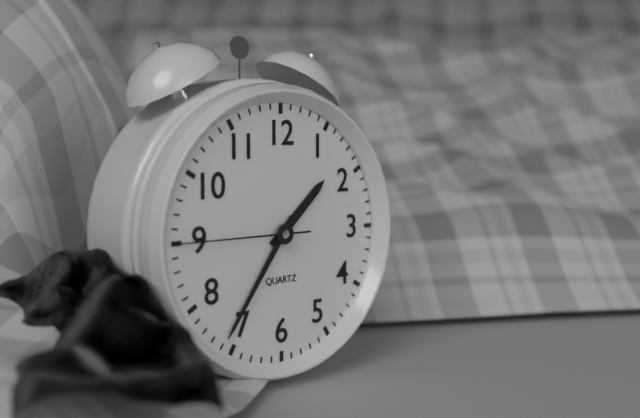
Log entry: 1,36,45
